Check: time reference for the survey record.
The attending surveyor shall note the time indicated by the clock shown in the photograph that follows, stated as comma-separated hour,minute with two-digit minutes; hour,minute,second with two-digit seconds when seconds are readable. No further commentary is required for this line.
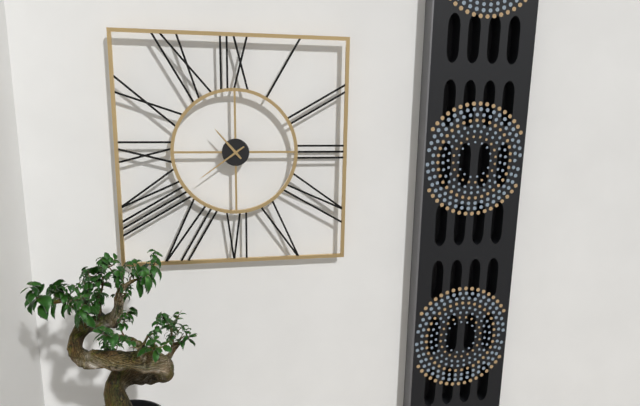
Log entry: 10,39
